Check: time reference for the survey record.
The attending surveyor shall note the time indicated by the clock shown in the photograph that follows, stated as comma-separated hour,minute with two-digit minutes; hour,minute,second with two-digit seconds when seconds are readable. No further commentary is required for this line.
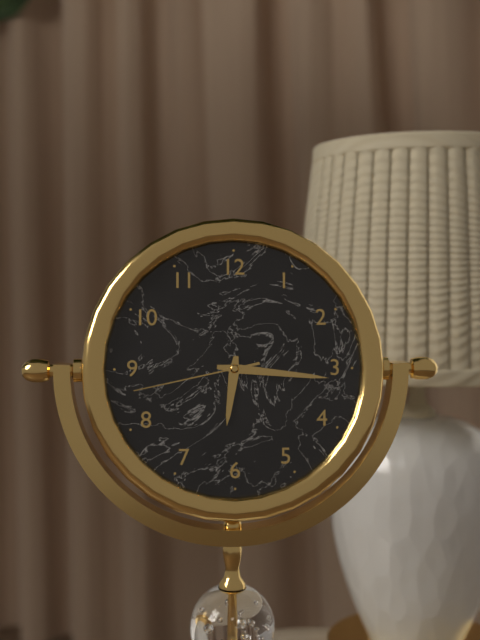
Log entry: 6,16,43
